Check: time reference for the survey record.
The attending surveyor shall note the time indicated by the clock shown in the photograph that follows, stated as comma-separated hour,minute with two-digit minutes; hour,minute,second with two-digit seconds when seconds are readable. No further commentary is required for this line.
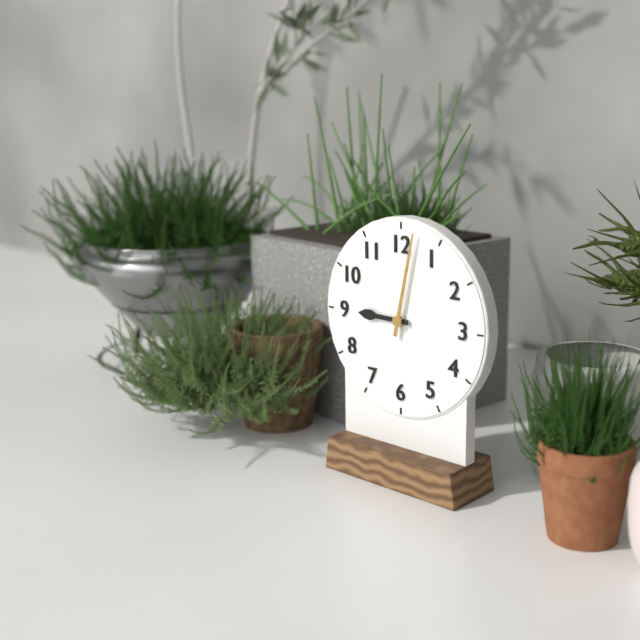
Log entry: 9,02
